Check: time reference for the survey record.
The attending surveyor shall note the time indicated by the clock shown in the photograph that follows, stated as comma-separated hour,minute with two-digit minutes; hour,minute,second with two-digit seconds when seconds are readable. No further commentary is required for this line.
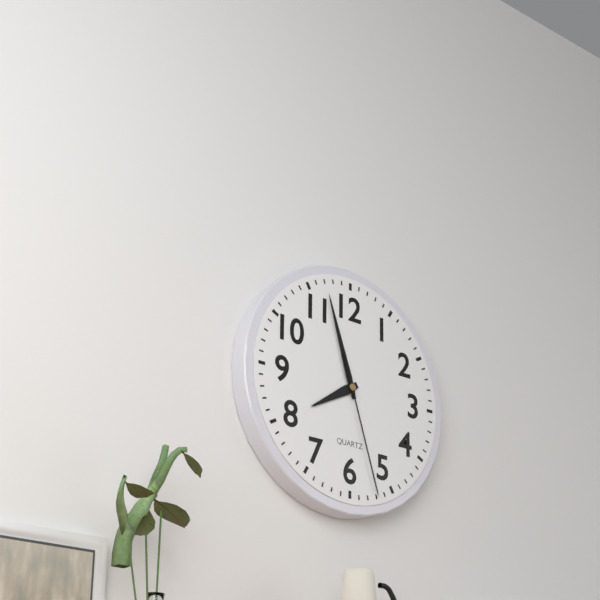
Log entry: 7,57,27
